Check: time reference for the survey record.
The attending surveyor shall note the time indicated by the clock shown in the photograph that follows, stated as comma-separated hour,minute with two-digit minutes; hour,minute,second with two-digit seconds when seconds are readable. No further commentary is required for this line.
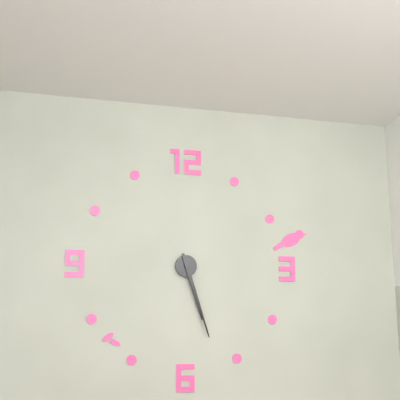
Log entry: 5,27
